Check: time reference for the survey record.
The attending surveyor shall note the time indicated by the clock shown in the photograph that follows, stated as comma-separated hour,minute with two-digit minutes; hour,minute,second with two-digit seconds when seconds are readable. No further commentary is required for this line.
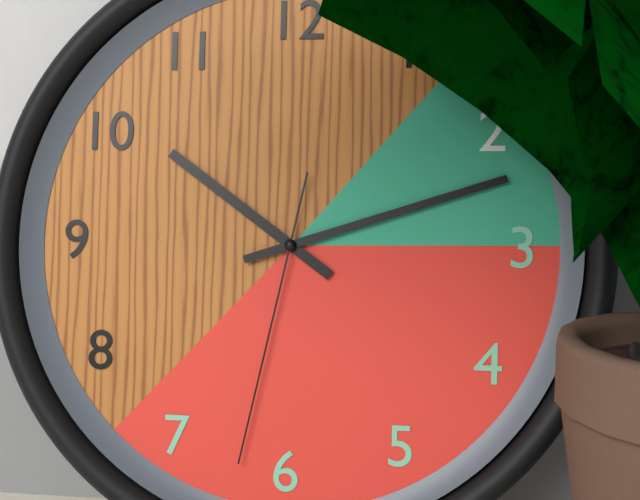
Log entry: 10,12,32
